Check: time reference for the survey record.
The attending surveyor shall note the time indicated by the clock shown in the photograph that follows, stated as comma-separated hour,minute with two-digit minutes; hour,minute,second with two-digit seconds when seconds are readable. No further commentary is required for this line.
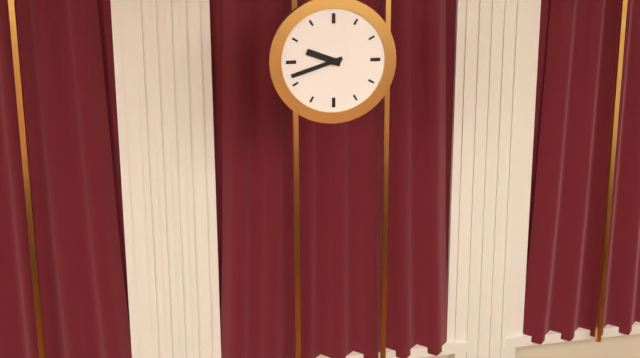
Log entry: 9,42
